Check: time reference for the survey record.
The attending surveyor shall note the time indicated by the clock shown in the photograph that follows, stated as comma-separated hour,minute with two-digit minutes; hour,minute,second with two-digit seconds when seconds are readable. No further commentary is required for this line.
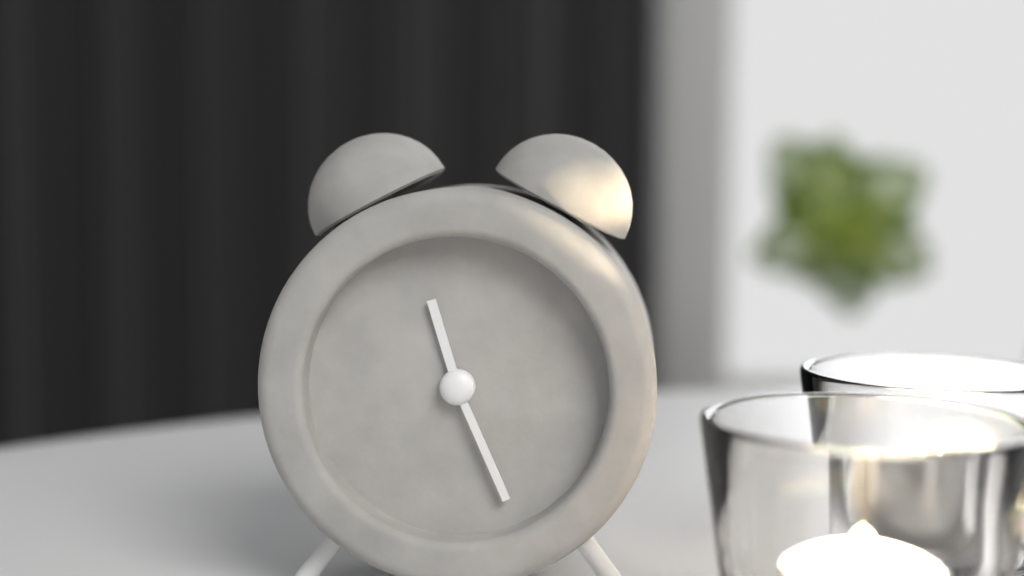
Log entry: 11,26
